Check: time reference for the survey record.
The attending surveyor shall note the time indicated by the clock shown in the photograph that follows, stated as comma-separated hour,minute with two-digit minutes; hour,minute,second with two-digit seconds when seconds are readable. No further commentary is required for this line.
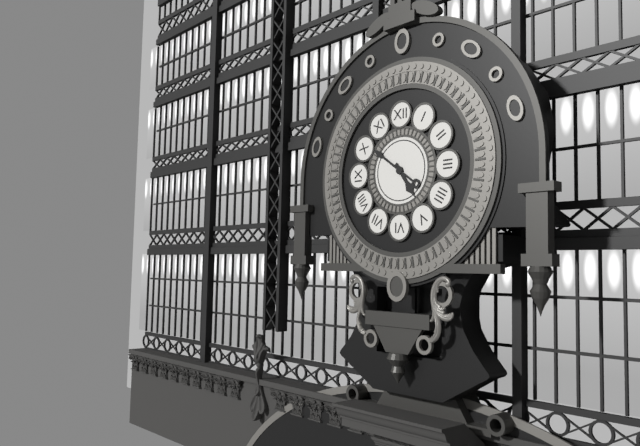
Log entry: 4,51
